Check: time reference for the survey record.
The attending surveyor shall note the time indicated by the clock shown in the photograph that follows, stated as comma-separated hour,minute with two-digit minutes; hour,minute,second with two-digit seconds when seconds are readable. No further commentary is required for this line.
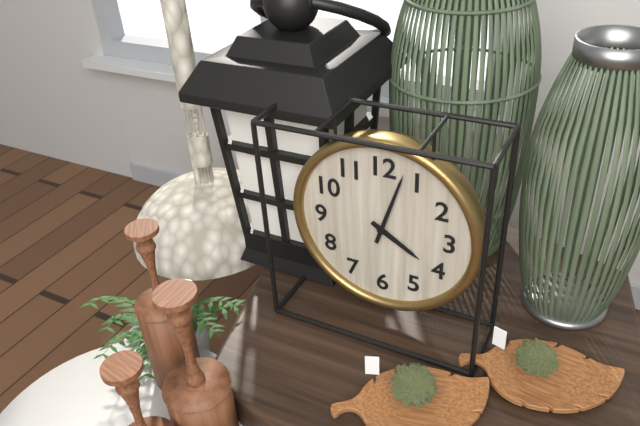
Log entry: 4,03
